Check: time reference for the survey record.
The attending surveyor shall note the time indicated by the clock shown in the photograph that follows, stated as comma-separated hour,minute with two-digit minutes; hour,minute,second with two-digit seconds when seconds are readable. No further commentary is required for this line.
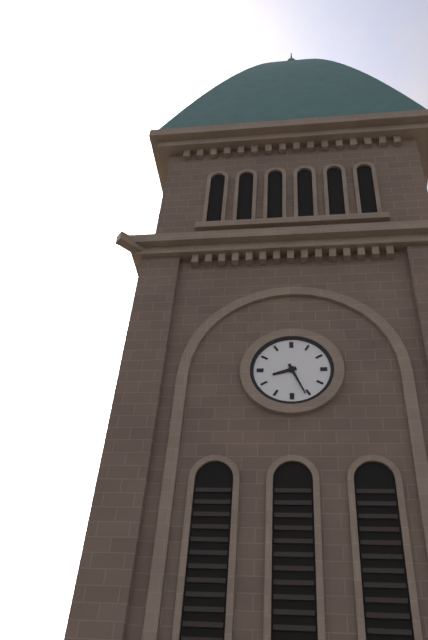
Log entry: 8,26
